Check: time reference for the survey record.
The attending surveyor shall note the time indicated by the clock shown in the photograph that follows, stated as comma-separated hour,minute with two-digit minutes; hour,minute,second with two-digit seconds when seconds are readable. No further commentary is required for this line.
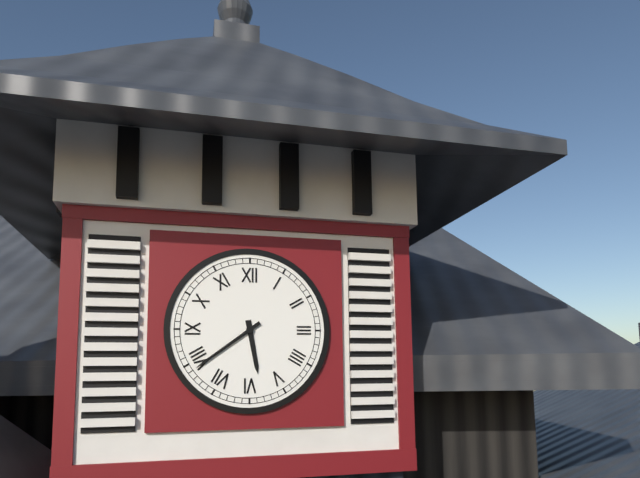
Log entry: 5,39
